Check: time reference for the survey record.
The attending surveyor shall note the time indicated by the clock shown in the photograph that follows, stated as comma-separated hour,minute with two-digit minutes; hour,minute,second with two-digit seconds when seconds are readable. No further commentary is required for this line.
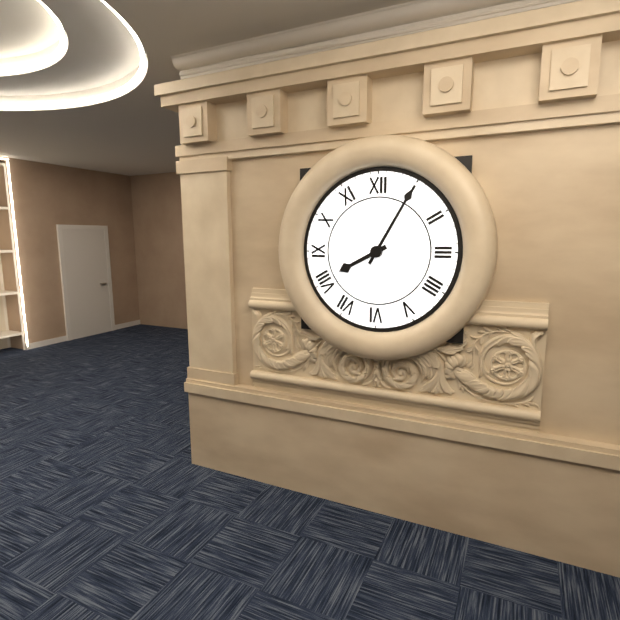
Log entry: 8,05
